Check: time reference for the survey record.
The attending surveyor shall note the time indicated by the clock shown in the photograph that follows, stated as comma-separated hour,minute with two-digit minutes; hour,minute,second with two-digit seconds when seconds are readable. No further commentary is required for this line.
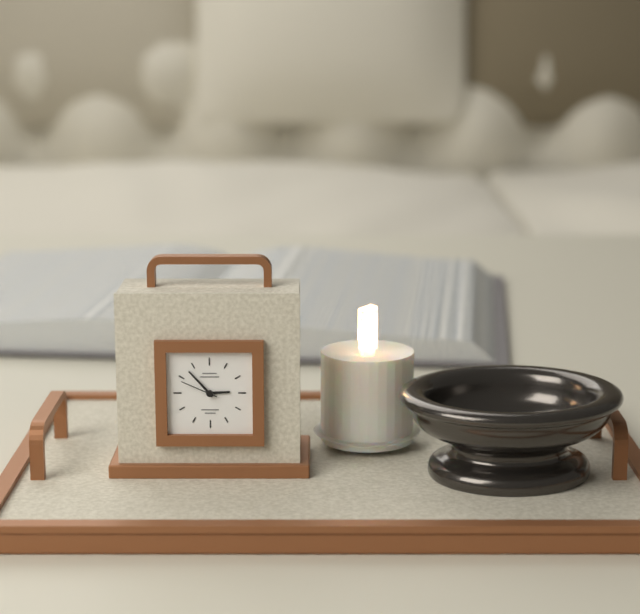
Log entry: 2,53
